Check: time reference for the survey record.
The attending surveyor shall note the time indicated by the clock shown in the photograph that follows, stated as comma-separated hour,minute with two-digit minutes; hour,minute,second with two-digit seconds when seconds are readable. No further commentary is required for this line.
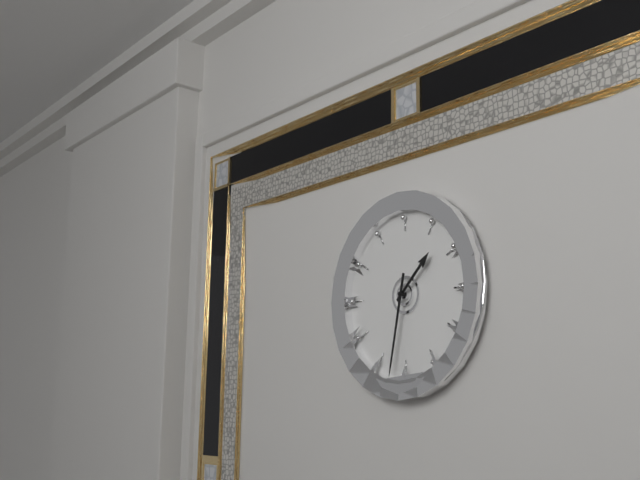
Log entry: 1,32
